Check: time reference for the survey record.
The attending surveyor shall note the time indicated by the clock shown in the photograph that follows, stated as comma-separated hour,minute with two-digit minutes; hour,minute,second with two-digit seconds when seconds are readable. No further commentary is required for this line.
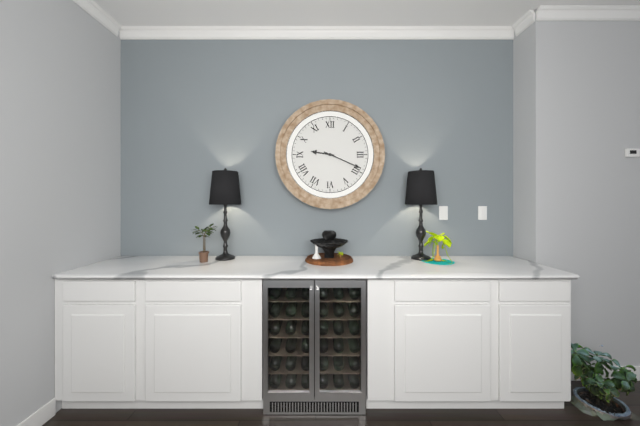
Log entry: 9,19
